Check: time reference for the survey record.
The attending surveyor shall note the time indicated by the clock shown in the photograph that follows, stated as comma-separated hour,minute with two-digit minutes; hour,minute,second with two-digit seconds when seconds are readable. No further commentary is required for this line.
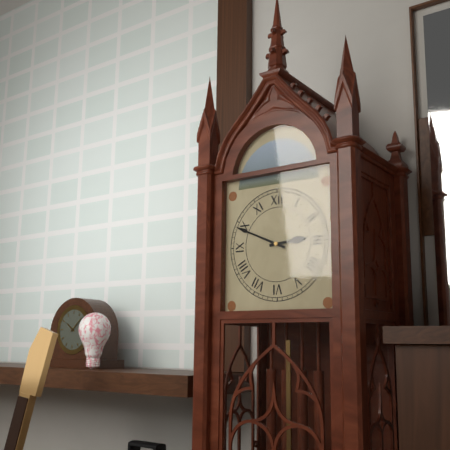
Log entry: 2,49
